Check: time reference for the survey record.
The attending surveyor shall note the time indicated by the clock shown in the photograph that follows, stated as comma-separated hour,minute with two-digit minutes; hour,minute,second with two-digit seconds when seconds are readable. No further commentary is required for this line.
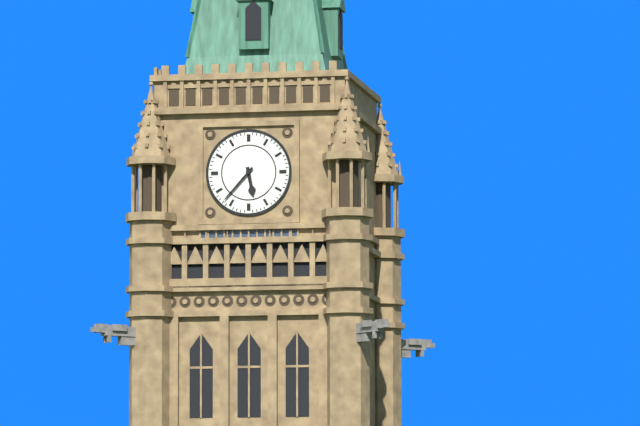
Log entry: 5,37
